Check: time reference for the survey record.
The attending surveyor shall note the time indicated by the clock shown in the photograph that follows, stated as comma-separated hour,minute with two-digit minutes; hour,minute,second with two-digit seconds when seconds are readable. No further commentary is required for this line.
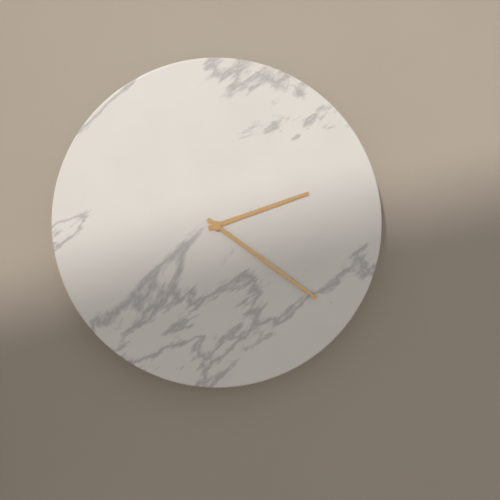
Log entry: 2,21
